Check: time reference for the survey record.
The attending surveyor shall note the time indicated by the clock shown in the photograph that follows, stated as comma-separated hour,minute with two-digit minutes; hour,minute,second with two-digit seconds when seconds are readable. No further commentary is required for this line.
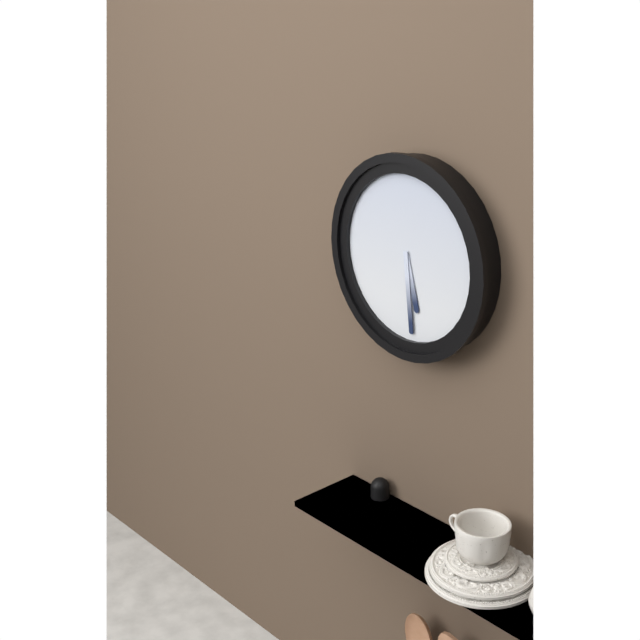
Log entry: 5,29
